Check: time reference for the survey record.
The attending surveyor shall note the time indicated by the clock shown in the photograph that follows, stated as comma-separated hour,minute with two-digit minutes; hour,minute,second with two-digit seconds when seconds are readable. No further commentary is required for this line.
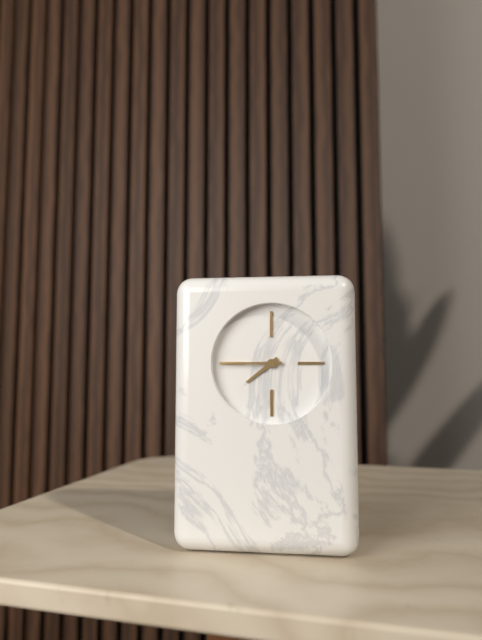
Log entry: 7,45
